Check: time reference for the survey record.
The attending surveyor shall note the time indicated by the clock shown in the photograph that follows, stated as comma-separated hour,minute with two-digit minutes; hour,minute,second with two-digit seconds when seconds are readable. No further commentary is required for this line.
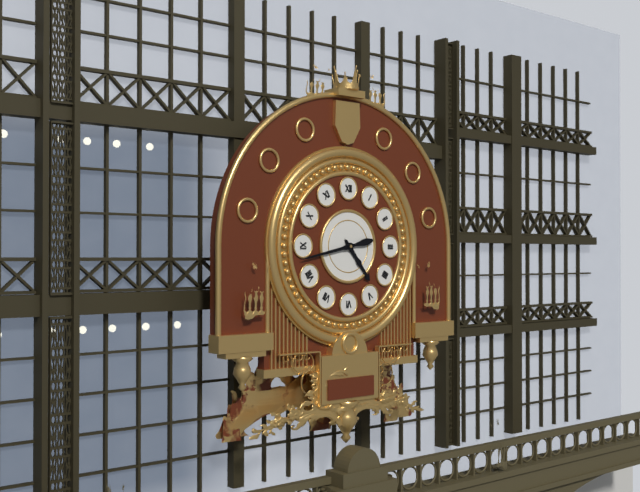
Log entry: 4,43
